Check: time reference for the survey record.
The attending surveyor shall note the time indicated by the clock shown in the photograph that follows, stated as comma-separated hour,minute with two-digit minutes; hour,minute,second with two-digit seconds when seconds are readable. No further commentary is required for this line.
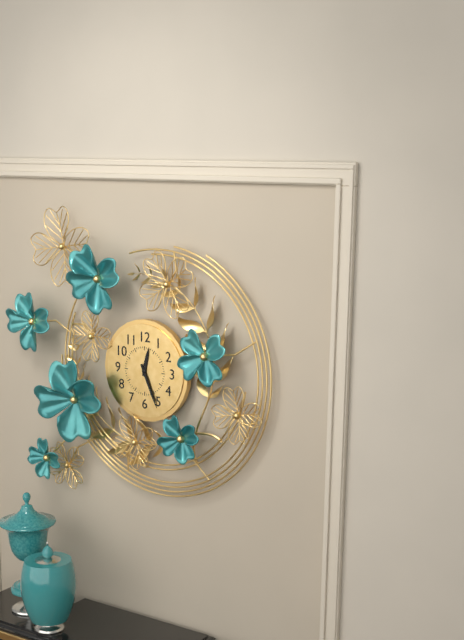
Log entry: 12,26
